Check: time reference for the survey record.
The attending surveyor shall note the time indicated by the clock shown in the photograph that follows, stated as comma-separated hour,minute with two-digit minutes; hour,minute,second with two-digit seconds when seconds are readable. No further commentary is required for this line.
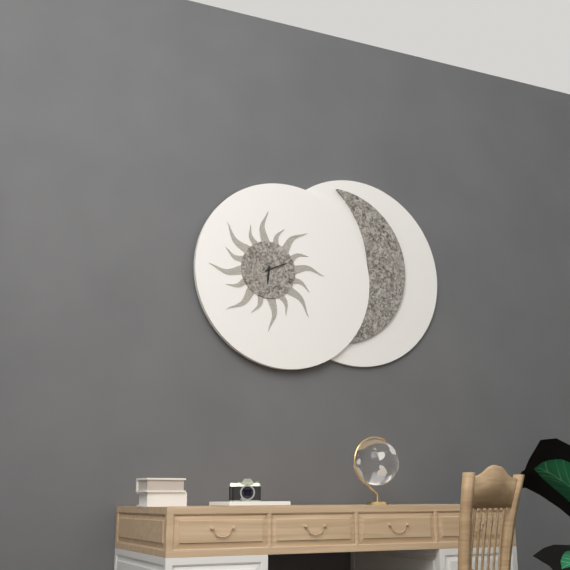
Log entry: 6,11
